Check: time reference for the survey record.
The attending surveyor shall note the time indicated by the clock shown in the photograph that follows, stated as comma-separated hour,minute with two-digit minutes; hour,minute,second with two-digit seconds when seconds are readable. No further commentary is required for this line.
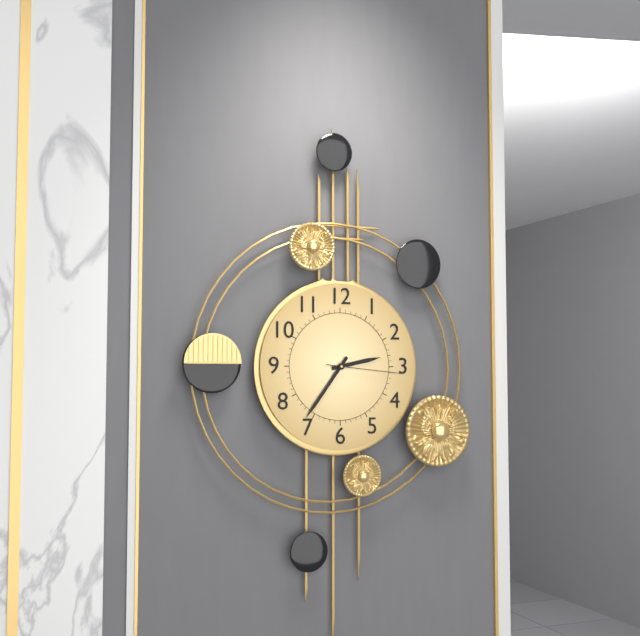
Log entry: 2,36,16
